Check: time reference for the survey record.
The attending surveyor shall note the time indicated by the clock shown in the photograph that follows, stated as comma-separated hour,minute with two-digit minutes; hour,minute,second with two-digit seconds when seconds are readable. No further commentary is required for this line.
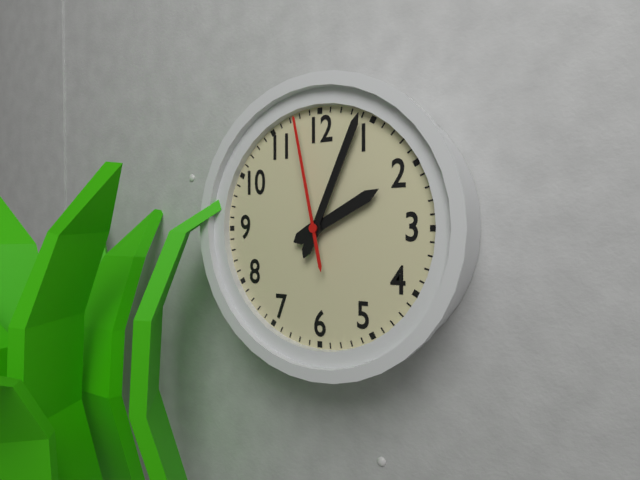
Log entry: 2,04,58
